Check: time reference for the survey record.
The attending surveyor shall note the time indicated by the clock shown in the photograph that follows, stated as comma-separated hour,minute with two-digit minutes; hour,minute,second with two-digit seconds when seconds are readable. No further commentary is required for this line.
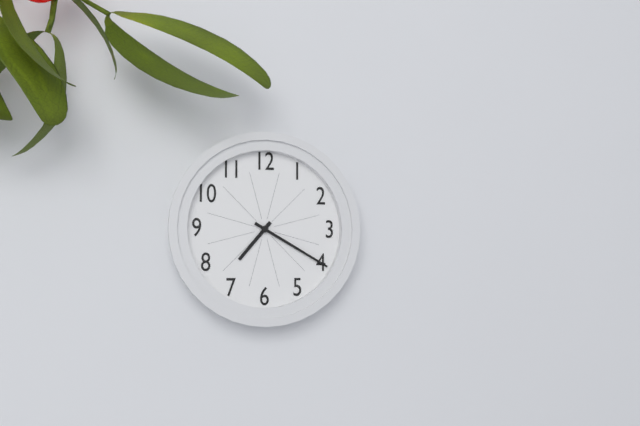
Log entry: 7,20
